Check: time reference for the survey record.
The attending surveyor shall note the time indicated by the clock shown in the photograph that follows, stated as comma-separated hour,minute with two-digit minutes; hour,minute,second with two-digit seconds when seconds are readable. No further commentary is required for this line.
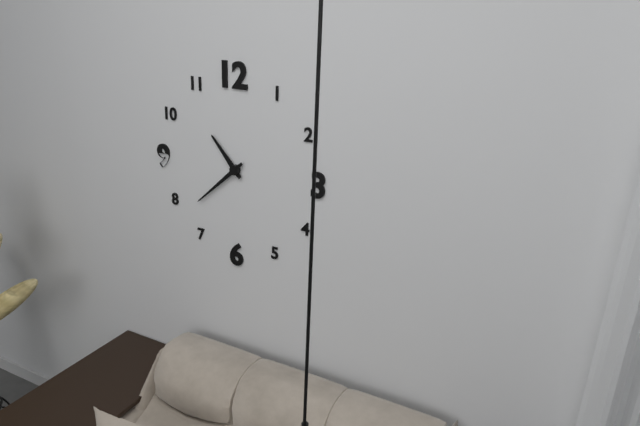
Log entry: 10,38
